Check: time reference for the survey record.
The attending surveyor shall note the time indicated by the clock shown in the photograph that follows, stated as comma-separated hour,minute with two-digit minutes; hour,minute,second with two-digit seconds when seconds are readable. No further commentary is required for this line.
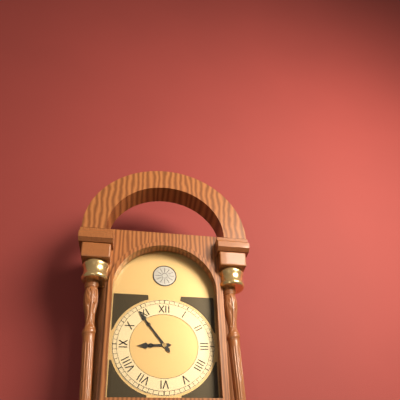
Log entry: 8,54
